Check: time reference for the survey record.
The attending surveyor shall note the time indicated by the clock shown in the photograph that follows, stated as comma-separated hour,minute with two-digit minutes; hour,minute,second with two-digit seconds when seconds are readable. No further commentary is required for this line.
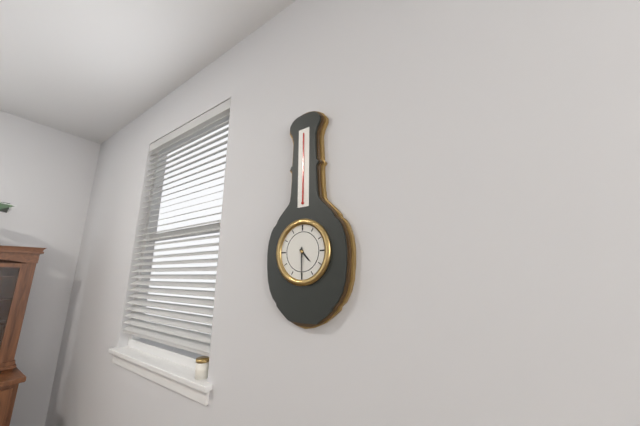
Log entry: 4,30
